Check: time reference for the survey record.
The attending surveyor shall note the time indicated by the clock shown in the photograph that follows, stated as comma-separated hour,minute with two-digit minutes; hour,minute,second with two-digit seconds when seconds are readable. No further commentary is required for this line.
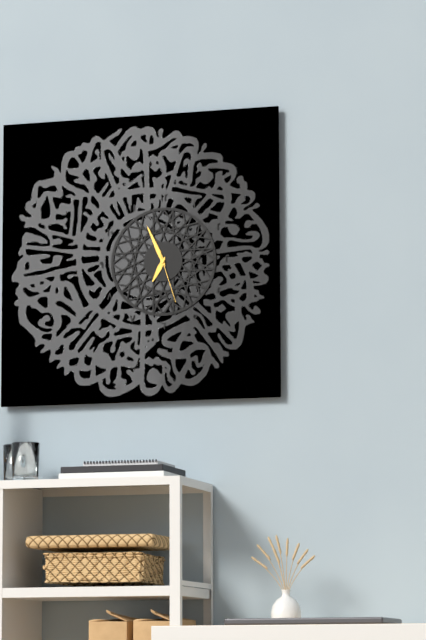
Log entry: 6,56,27
